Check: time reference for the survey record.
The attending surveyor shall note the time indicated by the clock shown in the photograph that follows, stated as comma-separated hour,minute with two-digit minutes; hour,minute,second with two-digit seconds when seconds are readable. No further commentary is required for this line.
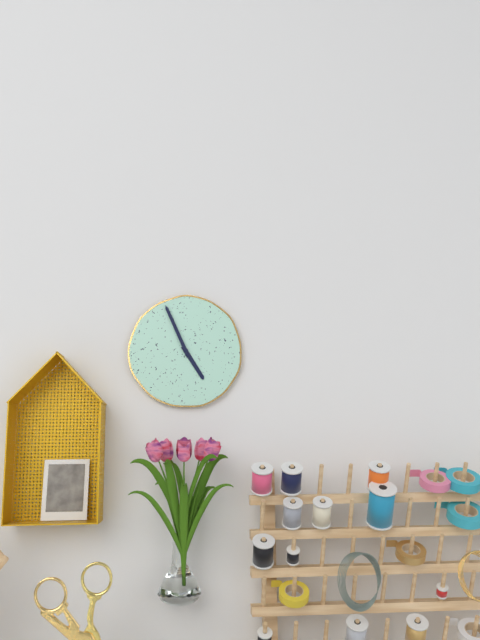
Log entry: 4,56
